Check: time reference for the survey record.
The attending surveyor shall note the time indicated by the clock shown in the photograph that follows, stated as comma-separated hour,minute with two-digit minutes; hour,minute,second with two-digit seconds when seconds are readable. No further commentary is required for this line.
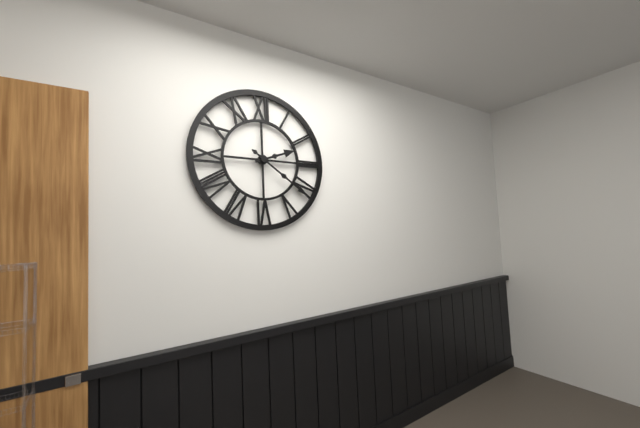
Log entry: 2,21
